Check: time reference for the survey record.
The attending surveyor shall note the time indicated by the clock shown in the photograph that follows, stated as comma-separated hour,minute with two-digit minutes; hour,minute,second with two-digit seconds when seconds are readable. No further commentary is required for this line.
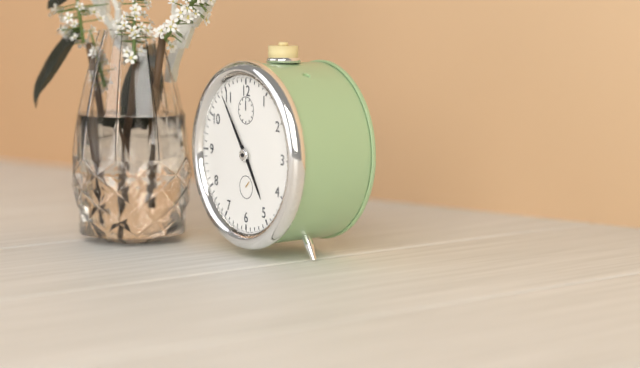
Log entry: 4,54
